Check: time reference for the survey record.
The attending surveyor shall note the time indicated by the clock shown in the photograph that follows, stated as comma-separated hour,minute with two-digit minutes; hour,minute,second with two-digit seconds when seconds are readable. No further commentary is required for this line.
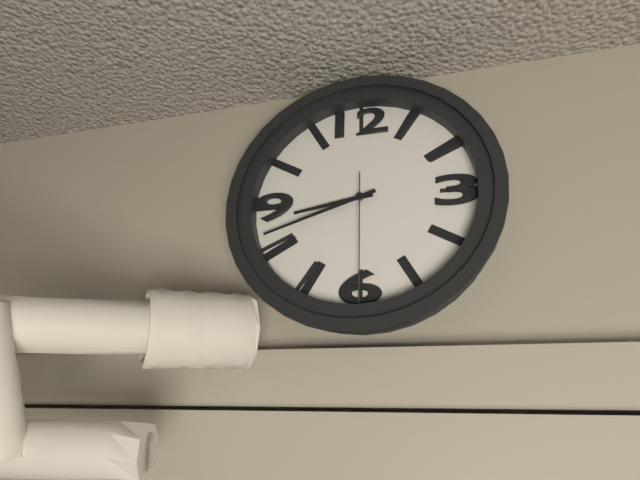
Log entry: 8,42,30
